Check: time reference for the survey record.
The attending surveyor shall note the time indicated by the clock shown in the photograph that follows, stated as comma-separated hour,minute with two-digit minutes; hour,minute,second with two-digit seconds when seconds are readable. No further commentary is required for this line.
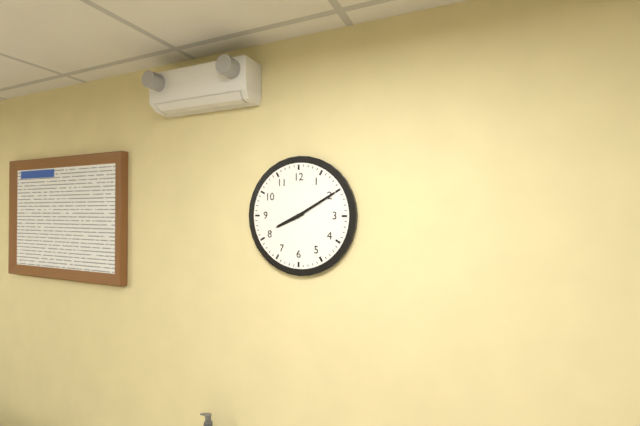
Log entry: 8,10
